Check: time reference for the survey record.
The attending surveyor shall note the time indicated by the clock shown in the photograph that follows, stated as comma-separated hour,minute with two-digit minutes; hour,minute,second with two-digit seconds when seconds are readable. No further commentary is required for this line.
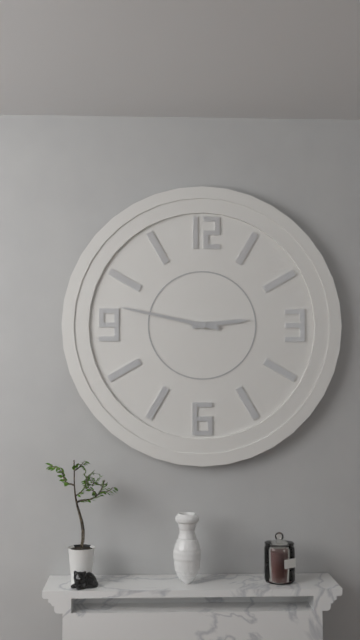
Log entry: 2,47
